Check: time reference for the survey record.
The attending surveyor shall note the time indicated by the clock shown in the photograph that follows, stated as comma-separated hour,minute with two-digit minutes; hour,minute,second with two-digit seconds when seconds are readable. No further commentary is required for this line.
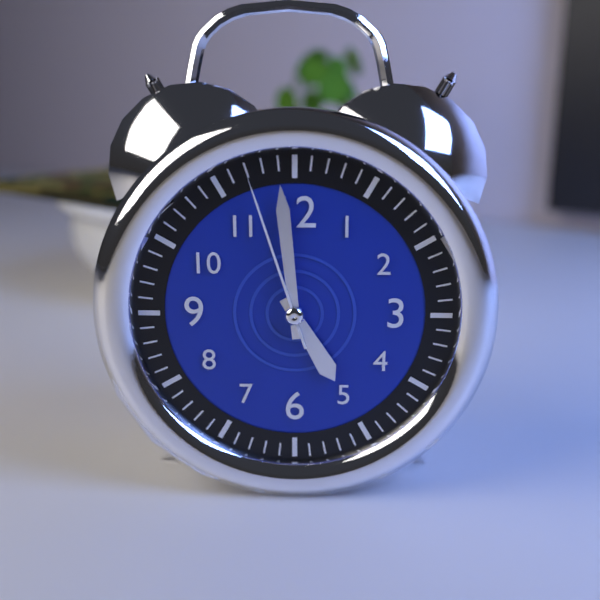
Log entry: 4,59,57
